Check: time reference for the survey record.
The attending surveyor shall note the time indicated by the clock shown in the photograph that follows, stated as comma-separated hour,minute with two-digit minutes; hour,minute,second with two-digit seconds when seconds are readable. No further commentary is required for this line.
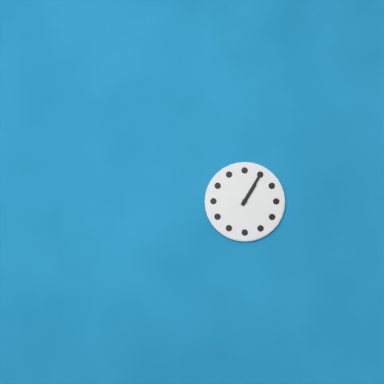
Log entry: 1,05
